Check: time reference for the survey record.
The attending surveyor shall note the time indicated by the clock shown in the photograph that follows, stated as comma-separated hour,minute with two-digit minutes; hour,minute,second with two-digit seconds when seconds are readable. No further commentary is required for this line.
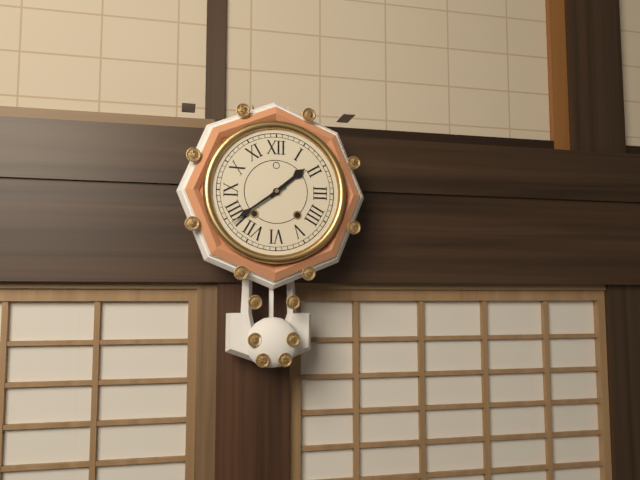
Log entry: 1,39
